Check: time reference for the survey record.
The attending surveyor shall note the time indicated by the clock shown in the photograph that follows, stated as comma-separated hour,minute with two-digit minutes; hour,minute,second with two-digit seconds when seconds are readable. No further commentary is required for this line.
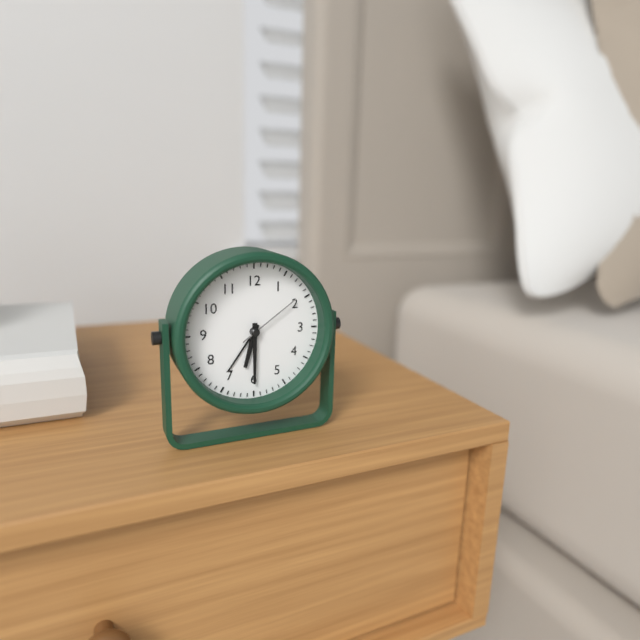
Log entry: 6,30,09
